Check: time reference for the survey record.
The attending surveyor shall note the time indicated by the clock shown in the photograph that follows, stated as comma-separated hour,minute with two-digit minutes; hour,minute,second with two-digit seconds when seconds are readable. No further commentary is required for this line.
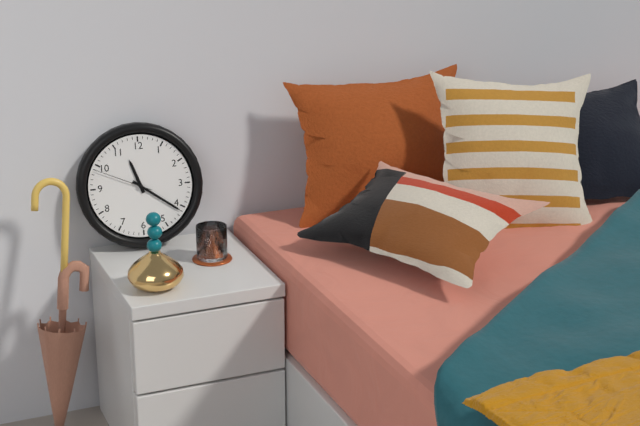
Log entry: 11,21,49
